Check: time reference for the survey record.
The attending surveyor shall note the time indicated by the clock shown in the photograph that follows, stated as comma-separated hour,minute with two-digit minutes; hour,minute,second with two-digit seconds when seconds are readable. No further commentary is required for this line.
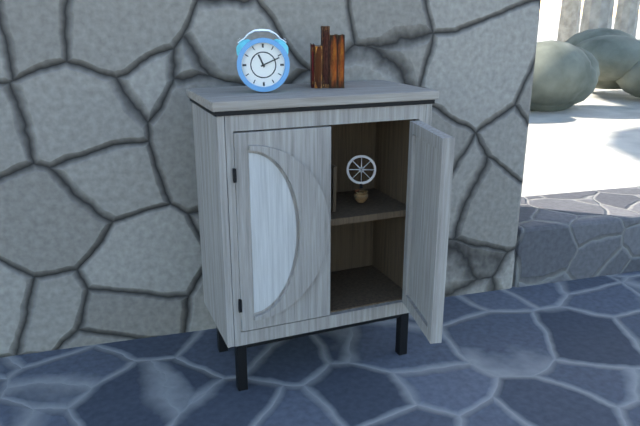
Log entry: 11,11
